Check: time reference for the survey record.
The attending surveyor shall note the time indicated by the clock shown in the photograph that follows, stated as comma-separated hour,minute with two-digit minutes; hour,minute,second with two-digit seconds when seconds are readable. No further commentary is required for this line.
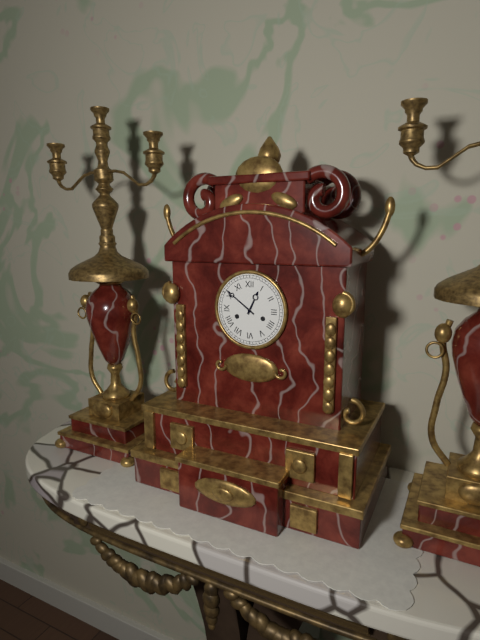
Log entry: 12,51
